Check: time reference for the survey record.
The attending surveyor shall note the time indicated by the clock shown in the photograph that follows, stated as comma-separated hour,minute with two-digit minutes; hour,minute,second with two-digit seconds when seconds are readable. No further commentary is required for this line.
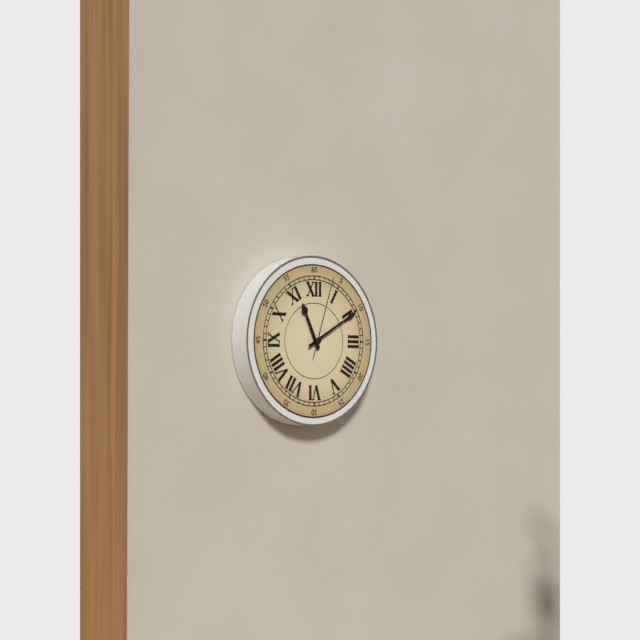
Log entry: 11,10,03
